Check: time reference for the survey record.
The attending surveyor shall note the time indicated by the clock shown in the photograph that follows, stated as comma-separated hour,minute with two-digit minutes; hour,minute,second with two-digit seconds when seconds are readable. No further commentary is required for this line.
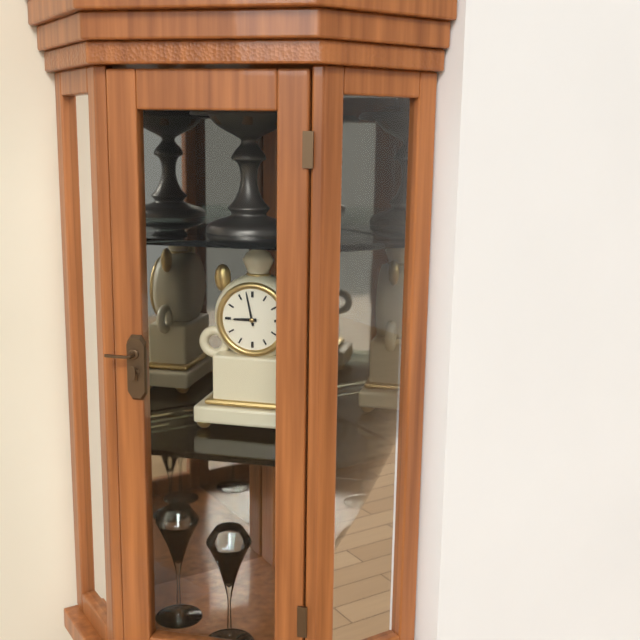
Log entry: 8,58
